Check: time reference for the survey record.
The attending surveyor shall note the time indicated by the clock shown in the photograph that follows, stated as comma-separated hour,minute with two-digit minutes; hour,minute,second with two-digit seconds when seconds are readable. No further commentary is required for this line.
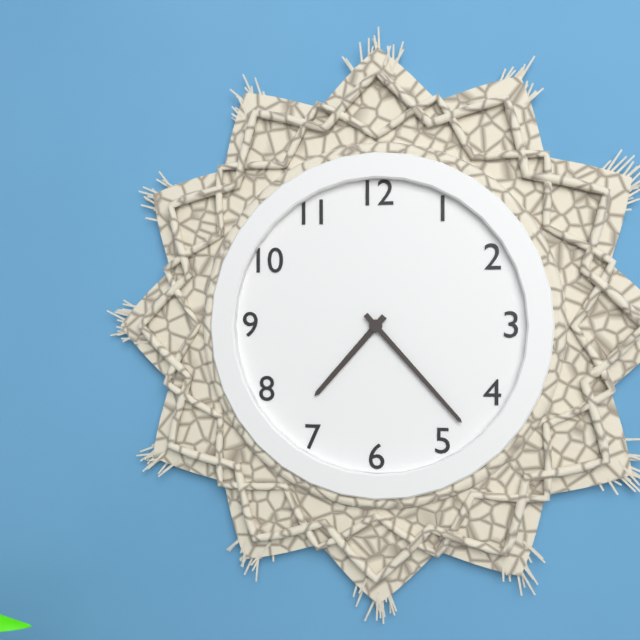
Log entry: 7,23
